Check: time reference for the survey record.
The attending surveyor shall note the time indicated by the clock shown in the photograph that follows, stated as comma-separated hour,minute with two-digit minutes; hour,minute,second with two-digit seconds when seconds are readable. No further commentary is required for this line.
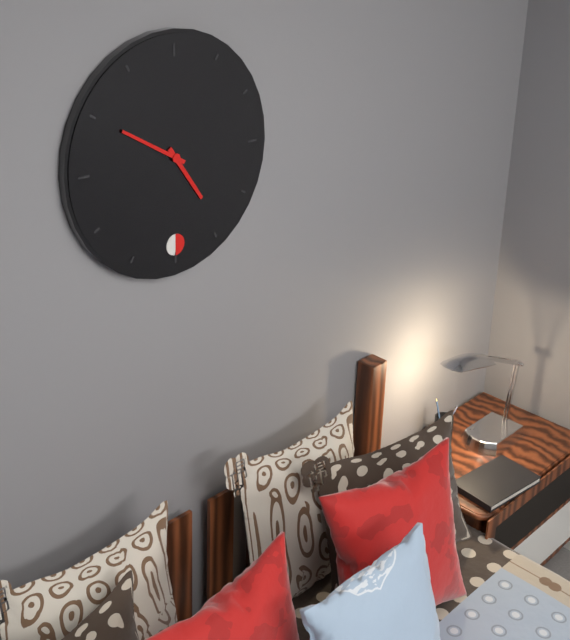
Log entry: 4,50
